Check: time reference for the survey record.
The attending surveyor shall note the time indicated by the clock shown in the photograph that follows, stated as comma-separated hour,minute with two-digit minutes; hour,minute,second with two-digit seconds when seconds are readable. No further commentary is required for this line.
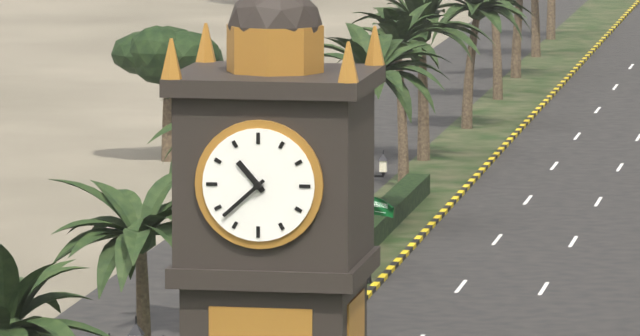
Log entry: 10,38
